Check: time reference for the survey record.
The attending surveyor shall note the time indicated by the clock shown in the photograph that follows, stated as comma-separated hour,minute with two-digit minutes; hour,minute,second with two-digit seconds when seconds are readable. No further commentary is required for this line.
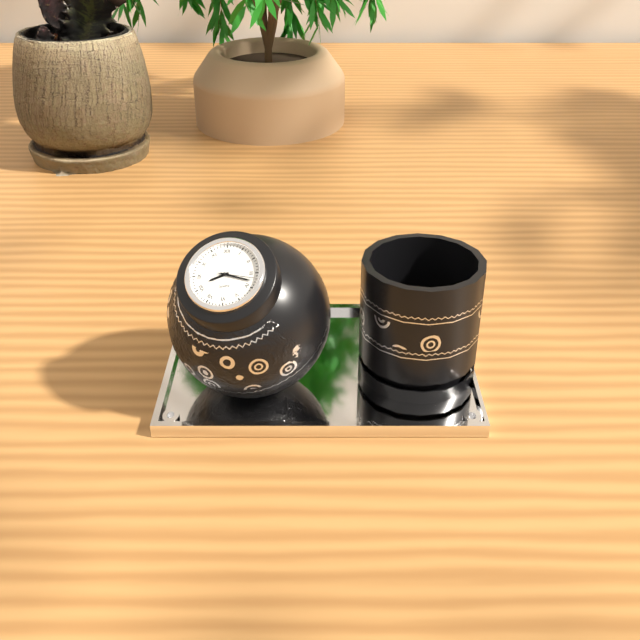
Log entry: 8,18
